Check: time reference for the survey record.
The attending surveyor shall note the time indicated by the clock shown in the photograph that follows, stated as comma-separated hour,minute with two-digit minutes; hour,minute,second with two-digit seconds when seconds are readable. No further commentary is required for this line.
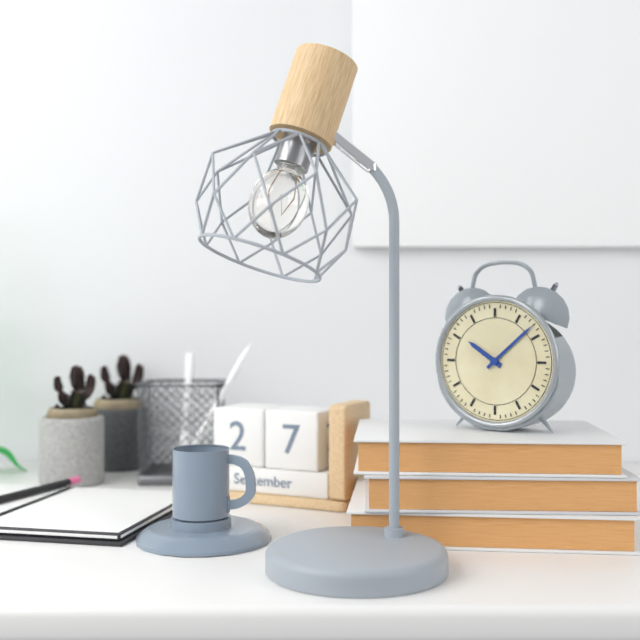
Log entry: 10,08
